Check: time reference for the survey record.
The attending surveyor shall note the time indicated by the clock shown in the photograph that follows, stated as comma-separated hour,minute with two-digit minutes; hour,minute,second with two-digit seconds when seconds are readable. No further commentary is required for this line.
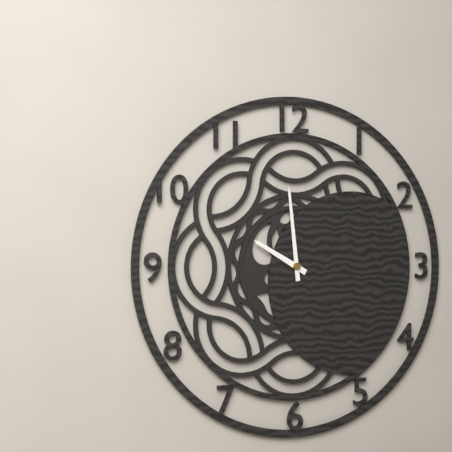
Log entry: 9,59
